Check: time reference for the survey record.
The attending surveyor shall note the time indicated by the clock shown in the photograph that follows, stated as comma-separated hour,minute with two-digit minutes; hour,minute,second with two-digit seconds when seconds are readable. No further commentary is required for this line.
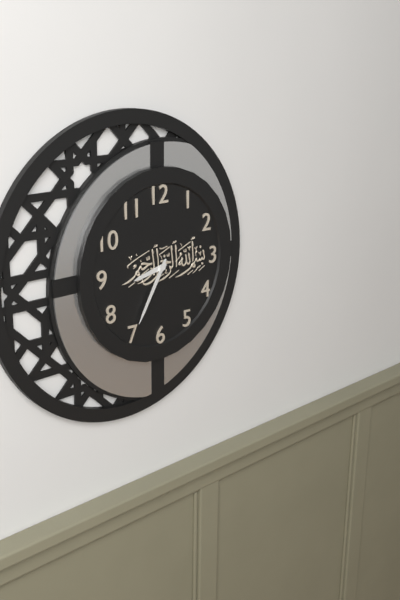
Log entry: 8,35
